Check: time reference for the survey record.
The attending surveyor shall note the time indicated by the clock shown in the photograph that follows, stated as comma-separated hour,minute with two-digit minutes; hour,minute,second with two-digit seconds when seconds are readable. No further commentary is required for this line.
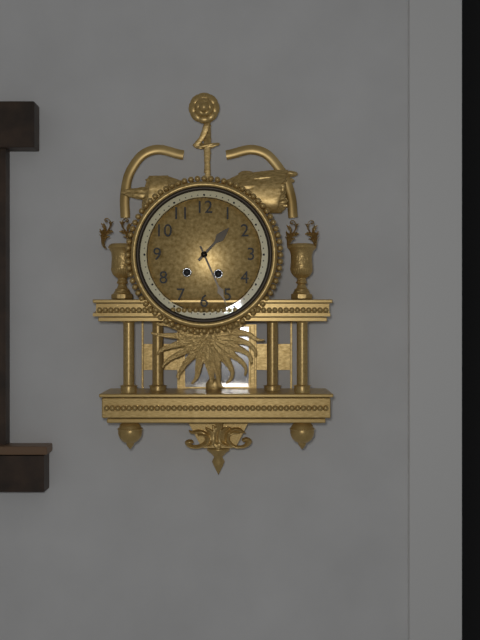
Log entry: 1,26
